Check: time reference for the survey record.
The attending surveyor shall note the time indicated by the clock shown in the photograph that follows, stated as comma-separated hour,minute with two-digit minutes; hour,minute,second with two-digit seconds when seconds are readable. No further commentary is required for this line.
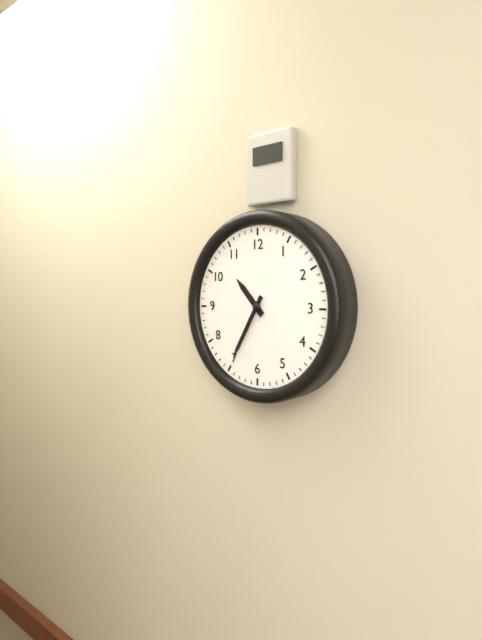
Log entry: 10,35
